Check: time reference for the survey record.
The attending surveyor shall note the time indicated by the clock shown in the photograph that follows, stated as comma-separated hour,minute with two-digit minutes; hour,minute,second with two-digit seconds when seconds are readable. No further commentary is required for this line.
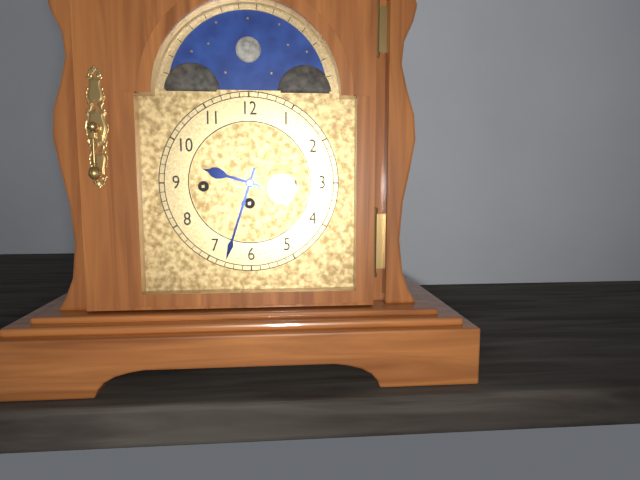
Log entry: 9,33
